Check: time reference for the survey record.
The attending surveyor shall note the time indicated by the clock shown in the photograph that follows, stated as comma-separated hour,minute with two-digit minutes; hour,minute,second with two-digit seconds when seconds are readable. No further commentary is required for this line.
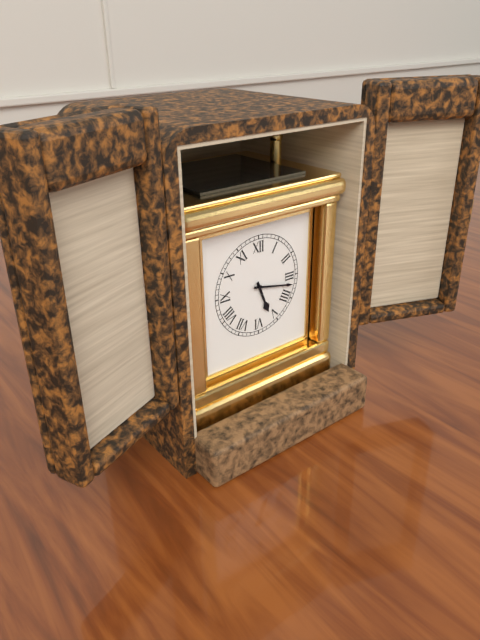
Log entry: 5,17
